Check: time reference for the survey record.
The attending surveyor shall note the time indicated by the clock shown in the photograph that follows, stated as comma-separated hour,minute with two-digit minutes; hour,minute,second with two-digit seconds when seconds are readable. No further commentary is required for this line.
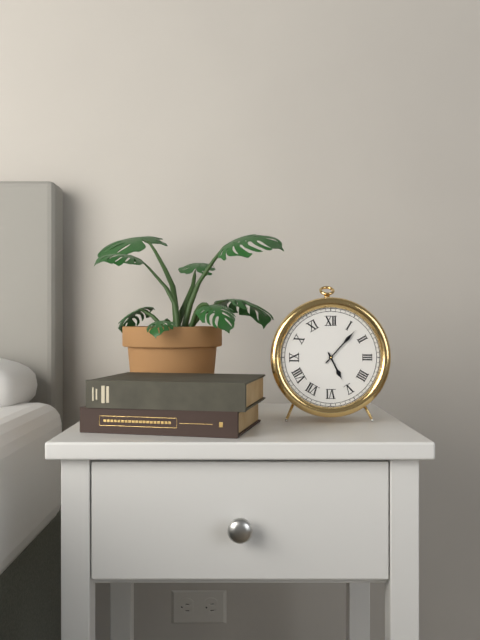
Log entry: 5,07
